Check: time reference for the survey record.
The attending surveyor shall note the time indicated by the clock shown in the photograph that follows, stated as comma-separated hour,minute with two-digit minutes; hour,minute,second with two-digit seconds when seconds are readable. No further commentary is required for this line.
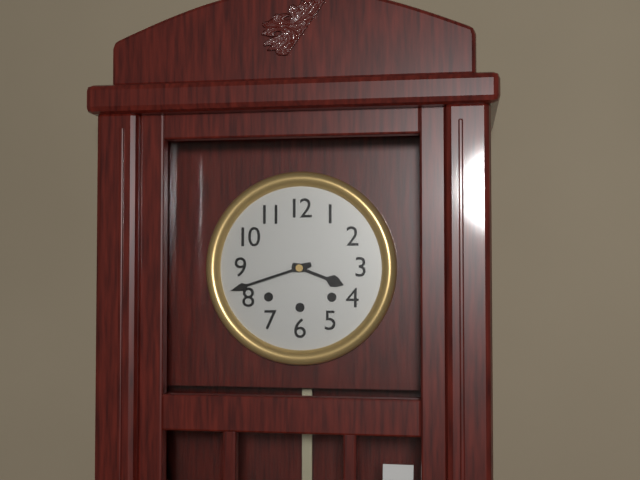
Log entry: 3,42
